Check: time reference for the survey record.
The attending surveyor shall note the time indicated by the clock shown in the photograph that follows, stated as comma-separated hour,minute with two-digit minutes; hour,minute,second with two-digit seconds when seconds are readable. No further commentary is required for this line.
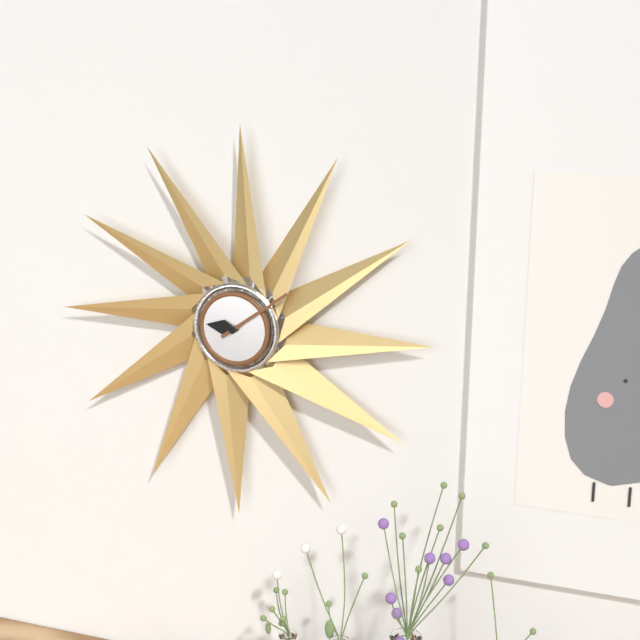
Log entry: 9,09
